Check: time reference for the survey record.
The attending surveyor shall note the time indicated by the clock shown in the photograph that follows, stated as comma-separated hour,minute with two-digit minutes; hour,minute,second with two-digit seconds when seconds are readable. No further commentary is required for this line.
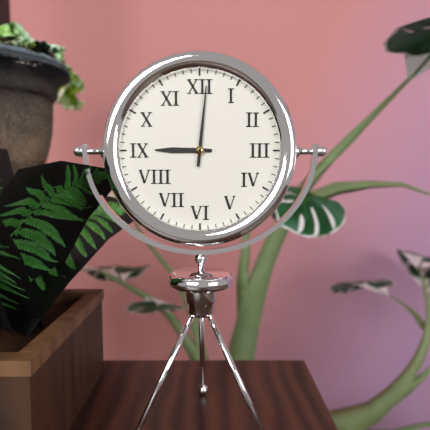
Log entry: 9,01
